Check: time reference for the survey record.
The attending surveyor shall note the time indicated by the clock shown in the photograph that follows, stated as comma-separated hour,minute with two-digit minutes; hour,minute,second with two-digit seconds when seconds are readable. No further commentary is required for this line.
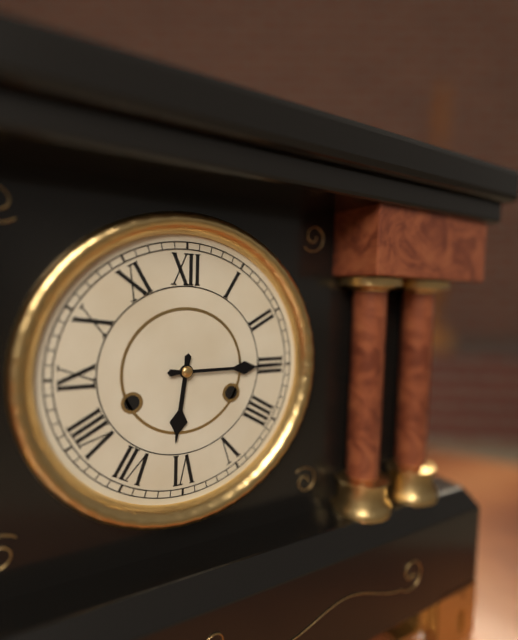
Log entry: 6,15
